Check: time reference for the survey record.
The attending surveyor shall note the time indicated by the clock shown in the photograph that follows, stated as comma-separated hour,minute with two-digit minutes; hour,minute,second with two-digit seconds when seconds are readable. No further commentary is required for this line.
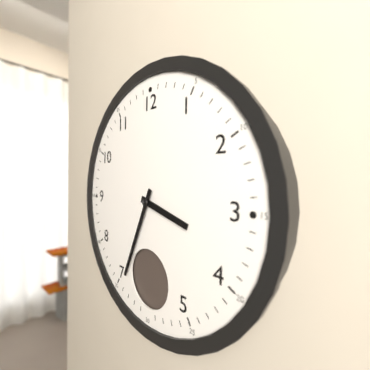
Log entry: 3,34
